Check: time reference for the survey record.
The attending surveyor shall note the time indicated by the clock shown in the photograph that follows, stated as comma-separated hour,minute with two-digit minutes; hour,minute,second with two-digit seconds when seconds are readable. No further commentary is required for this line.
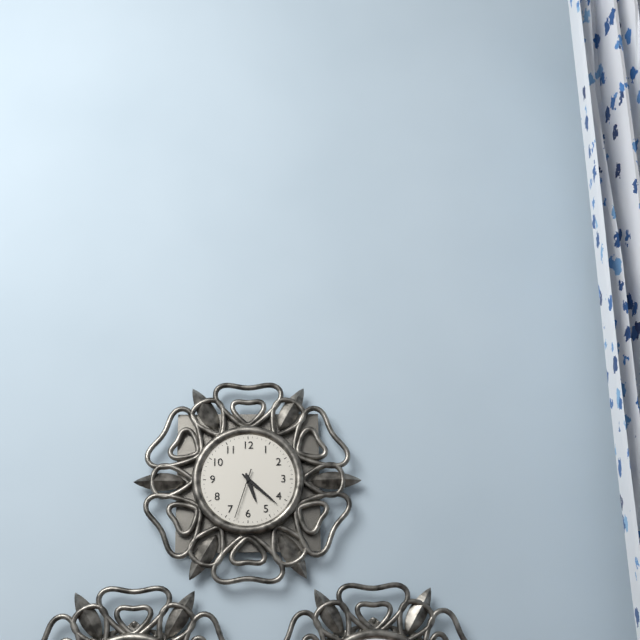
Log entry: 5,22,33
